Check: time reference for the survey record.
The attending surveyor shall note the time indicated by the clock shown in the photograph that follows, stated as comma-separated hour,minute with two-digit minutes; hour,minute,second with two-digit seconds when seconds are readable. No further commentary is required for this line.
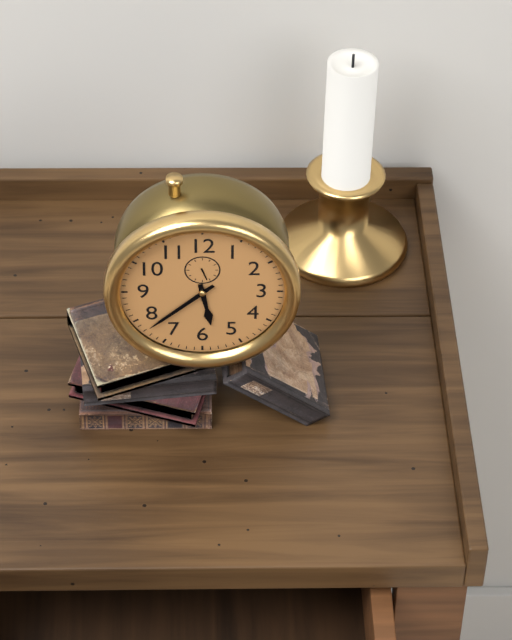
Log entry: 5,38
